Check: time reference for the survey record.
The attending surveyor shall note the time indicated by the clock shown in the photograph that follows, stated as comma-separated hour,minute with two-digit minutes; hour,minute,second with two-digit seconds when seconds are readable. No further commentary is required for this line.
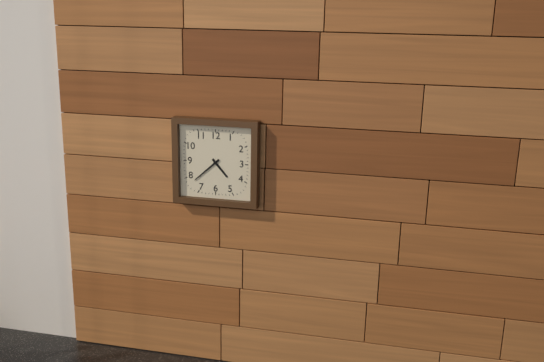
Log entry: 4,38
